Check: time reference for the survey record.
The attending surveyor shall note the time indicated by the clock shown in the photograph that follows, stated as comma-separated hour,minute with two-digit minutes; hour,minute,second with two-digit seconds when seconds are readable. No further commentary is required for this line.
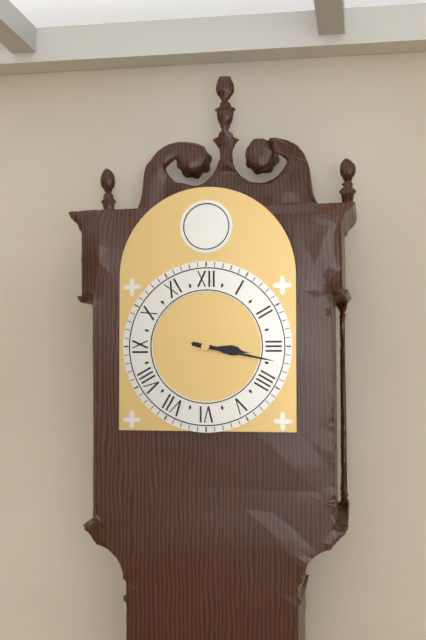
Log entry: 3,17
